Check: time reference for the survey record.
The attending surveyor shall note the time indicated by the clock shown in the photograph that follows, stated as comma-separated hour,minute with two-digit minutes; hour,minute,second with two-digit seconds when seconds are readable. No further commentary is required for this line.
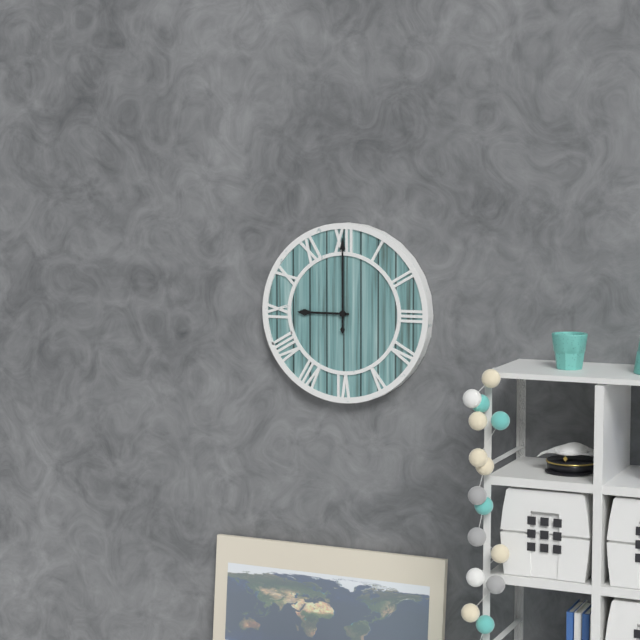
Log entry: 9,00
